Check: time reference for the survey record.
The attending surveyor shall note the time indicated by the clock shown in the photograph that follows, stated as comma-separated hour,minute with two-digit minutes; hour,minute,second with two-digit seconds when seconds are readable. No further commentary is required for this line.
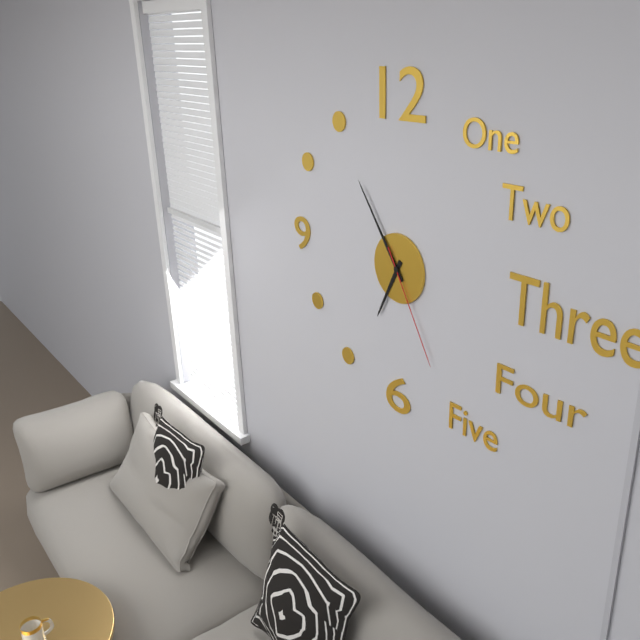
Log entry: 6,54,25
